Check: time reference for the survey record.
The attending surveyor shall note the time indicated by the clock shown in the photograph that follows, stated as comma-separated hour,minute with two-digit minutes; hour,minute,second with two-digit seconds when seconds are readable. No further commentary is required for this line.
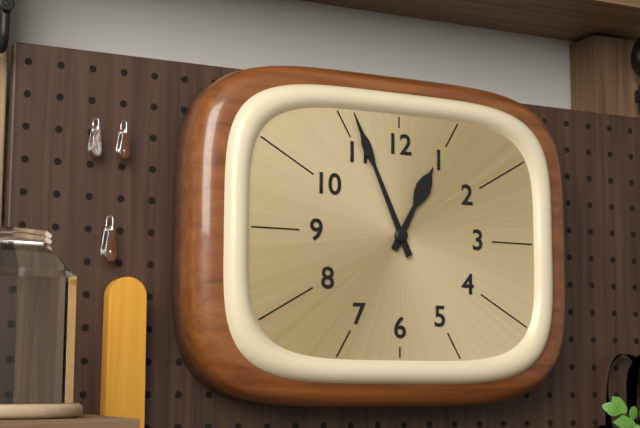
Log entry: 12,56
